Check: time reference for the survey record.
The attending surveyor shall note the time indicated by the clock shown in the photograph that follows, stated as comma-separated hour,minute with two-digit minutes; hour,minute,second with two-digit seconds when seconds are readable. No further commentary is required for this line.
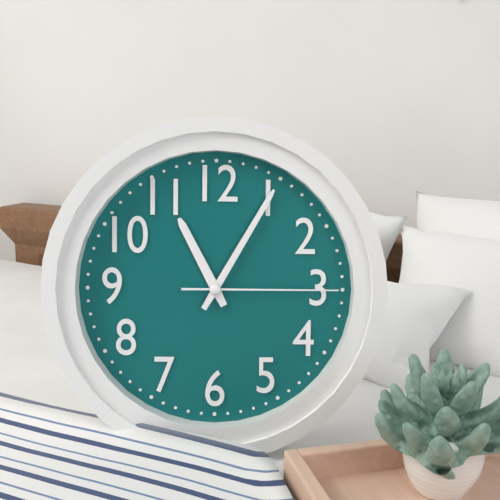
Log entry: 11,05,15
